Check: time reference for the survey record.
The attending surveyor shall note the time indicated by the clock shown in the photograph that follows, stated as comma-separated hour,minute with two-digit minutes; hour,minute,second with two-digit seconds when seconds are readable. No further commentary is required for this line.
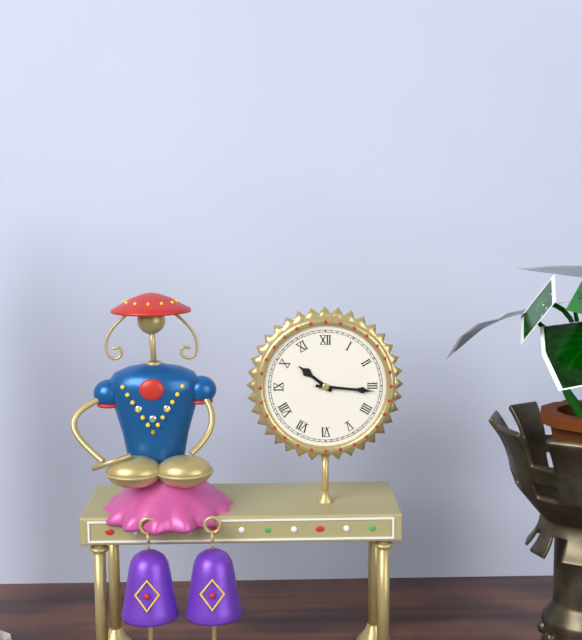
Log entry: 10,16
